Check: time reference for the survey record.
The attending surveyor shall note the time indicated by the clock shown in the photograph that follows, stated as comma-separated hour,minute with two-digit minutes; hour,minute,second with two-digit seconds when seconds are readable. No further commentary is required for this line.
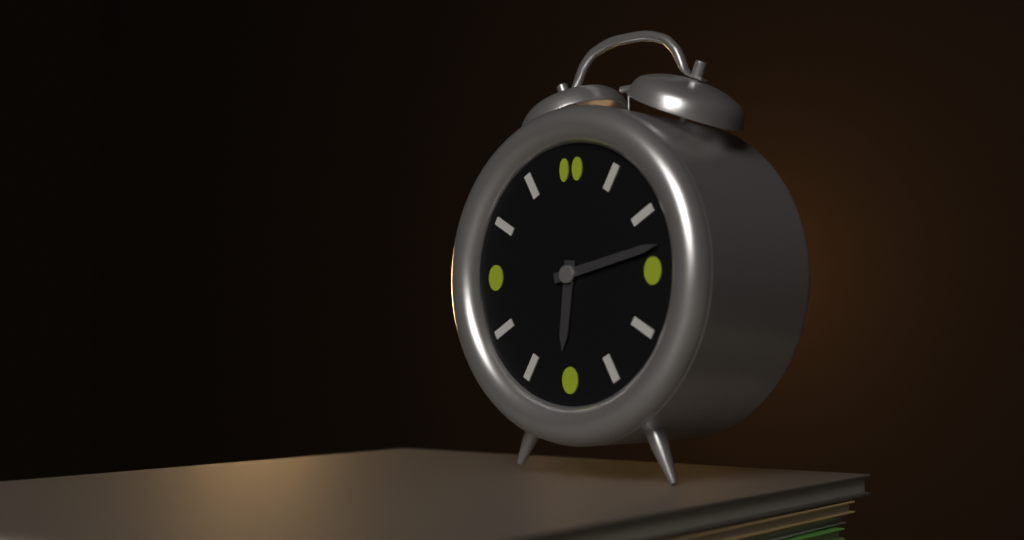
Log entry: 6,13
